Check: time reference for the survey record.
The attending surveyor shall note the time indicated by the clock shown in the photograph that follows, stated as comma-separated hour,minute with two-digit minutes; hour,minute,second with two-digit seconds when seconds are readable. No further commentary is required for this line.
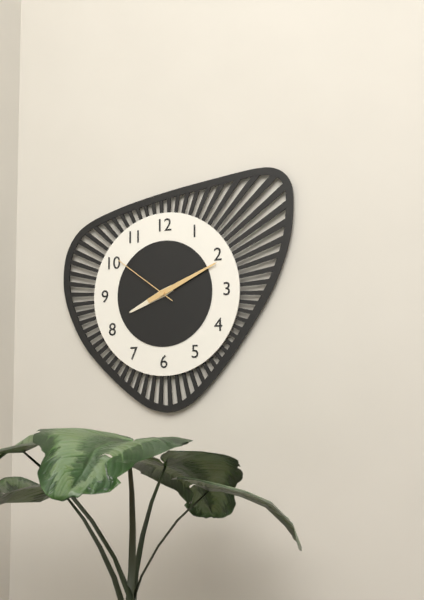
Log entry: 8,11,51
